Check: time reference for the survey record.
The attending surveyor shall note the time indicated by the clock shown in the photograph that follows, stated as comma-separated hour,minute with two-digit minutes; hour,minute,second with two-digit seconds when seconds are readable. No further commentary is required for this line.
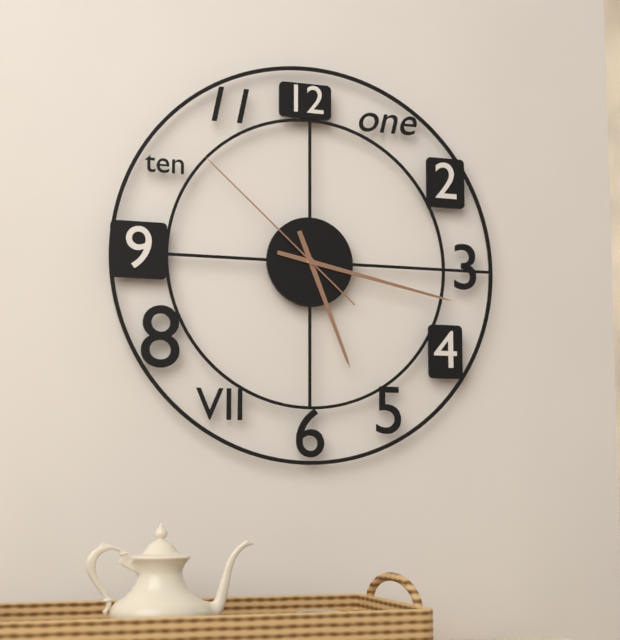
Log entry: 5,17,52
